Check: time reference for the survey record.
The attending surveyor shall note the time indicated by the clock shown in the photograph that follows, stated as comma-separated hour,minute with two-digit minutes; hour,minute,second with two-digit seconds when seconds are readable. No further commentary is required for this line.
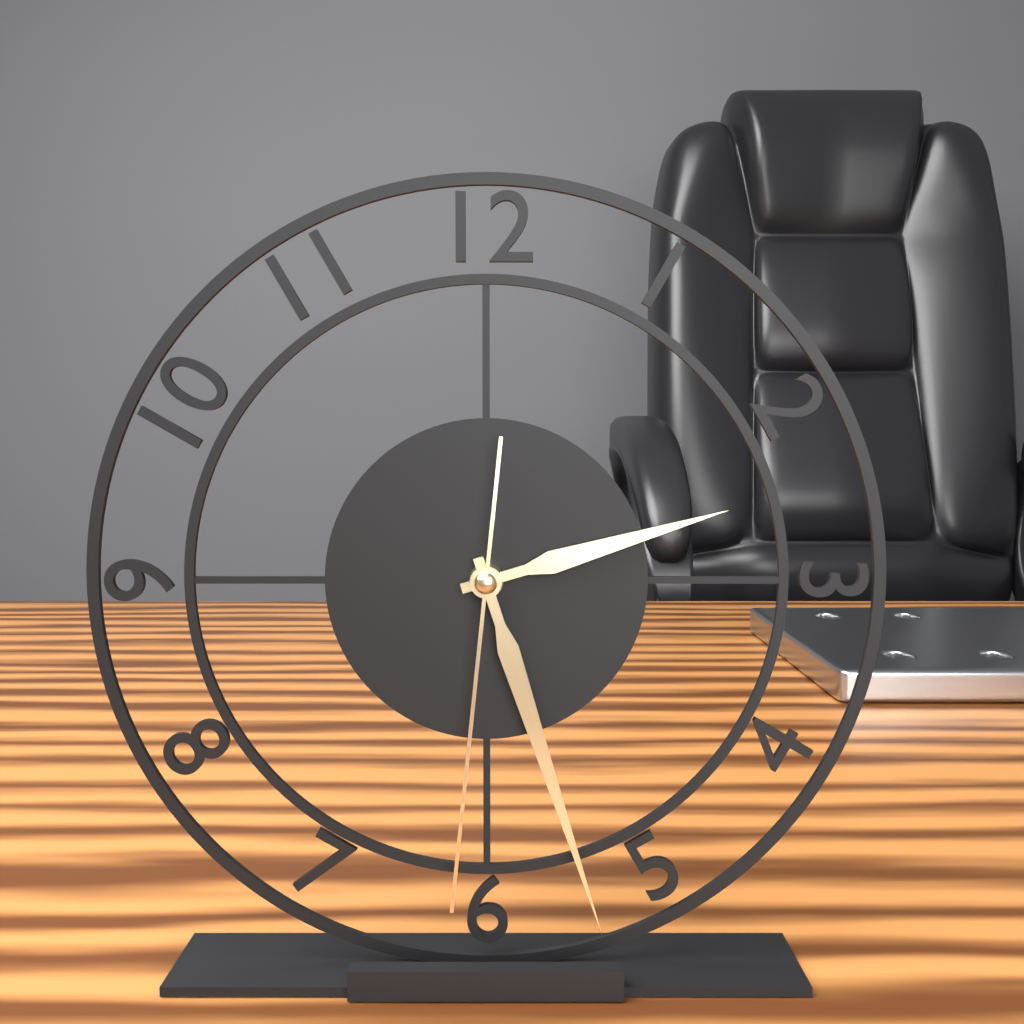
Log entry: 2,27,31
